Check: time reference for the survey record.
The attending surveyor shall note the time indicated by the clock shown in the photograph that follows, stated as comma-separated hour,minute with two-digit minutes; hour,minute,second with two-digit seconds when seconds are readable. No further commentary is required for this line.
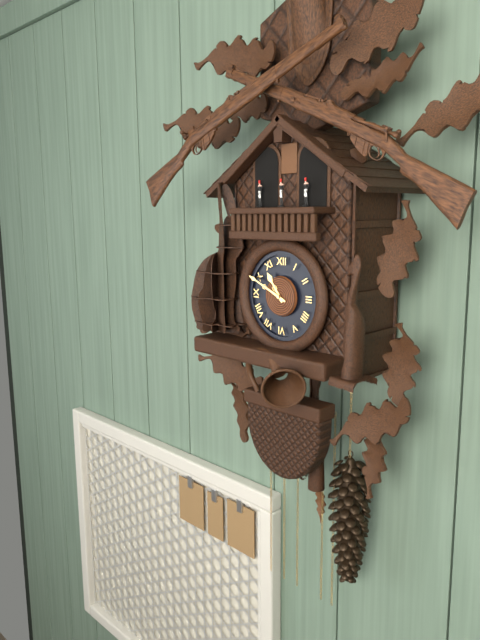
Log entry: 10,49
